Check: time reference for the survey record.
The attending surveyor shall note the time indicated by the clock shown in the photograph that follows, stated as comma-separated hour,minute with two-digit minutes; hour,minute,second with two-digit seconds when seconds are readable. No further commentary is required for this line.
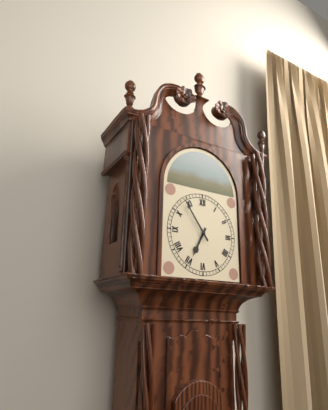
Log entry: 6,54
